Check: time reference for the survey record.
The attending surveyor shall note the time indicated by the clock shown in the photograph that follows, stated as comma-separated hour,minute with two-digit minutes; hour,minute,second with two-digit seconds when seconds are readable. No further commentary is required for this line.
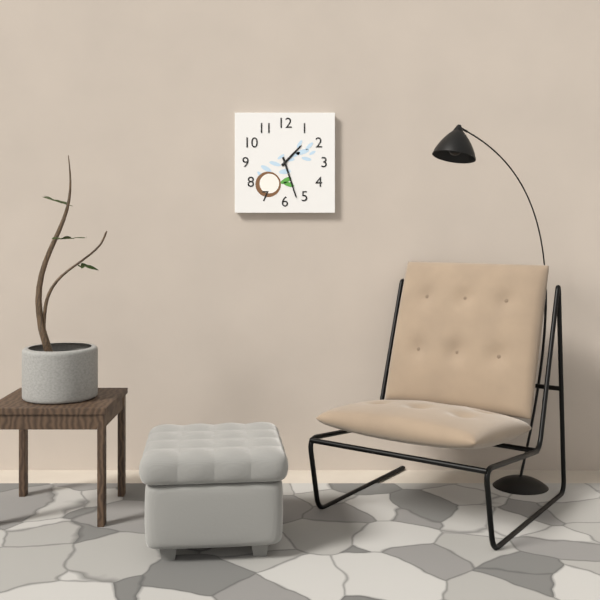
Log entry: 1,27
